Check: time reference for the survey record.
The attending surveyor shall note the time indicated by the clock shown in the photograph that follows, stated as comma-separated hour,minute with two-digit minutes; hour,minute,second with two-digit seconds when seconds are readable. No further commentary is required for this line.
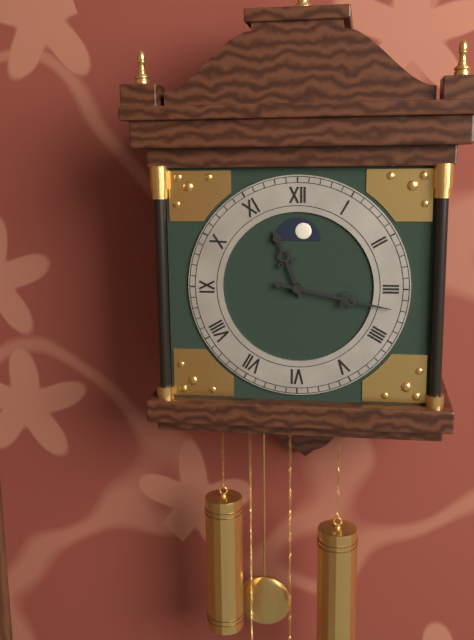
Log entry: 11,17
